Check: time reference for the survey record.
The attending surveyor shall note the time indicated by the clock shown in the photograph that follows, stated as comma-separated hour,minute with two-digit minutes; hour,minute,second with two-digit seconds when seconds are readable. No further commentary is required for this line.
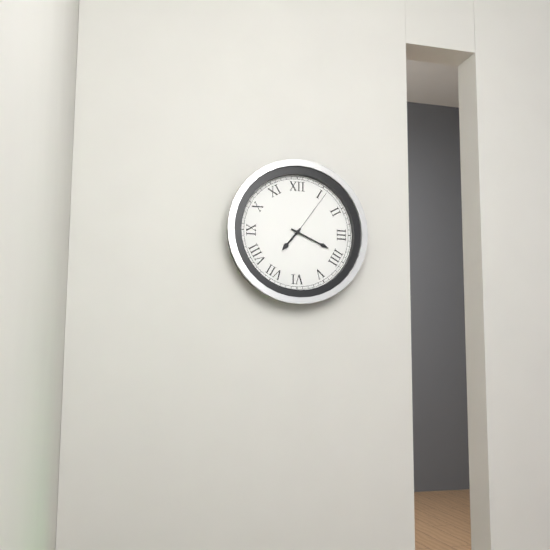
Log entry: 7,19,06
